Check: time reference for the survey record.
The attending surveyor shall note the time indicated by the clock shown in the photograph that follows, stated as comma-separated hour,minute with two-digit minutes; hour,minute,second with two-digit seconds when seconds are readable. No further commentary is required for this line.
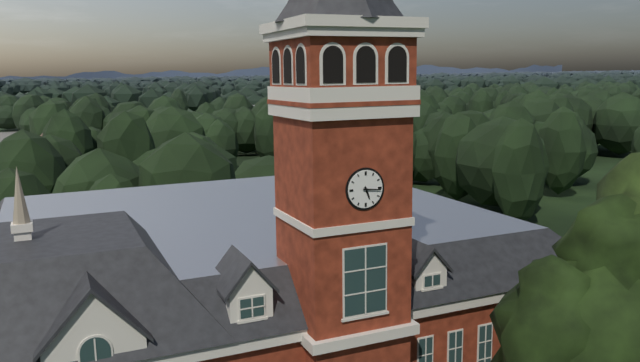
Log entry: 5,16
